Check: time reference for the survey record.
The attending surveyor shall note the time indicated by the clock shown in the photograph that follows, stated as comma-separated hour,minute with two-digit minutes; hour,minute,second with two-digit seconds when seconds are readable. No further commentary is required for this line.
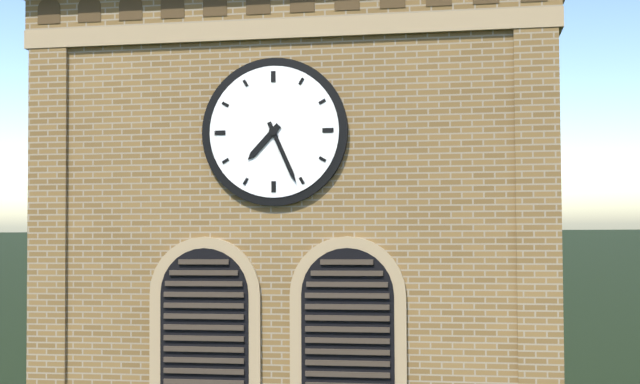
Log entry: 7,26
